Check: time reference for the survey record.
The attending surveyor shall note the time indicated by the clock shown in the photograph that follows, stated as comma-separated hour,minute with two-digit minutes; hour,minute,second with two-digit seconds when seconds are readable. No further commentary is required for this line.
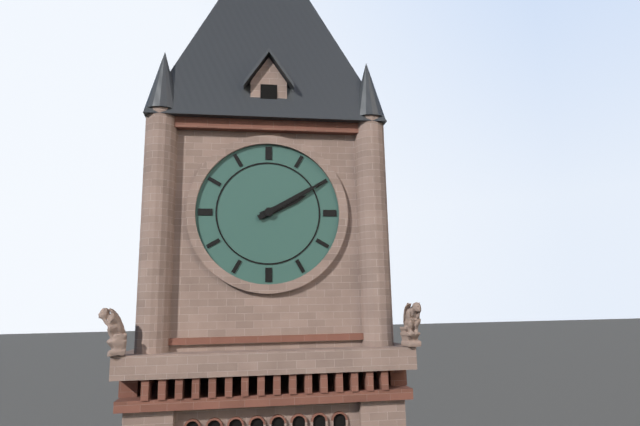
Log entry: 2,10
